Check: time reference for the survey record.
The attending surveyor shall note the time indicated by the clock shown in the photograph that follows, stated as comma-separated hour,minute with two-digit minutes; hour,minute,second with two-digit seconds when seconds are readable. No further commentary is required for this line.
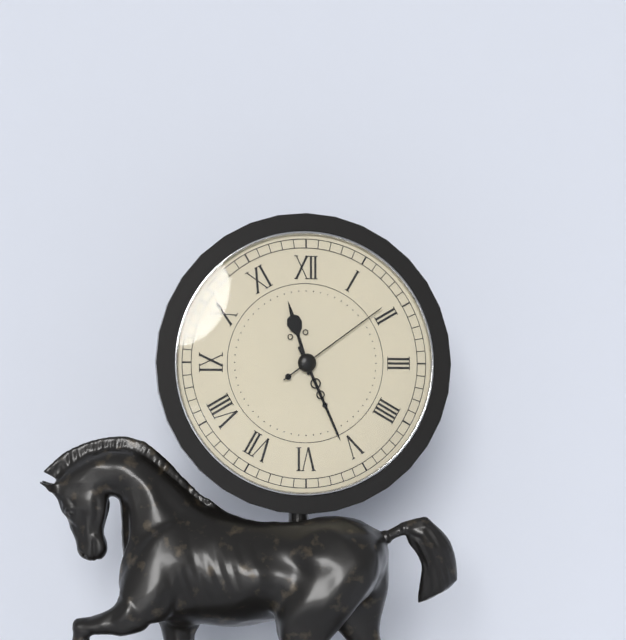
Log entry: 11,26,09
